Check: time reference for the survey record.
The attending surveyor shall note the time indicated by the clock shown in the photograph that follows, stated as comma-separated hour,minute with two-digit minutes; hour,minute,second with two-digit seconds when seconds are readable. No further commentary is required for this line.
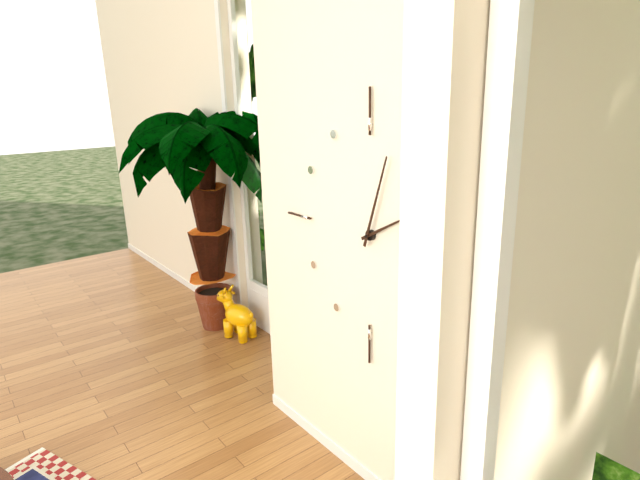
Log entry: 2,03
